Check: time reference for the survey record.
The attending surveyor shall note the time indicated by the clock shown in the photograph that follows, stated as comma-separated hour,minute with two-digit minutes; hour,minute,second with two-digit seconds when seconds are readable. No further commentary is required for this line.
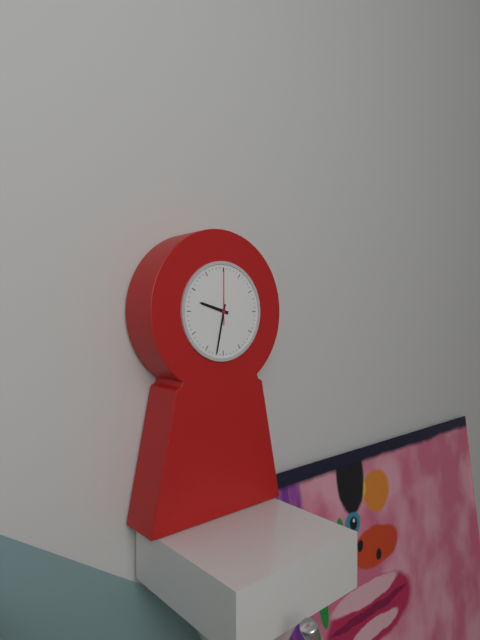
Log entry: 9,32,00
